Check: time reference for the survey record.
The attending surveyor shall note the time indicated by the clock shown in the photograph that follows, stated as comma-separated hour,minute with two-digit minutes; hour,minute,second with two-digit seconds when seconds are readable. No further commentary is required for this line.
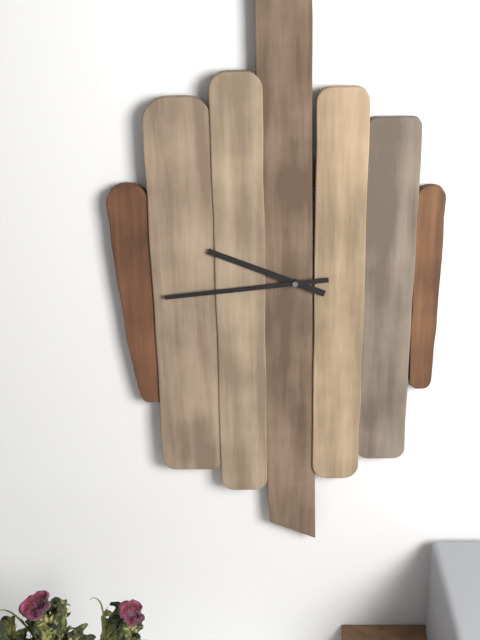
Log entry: 9,44
